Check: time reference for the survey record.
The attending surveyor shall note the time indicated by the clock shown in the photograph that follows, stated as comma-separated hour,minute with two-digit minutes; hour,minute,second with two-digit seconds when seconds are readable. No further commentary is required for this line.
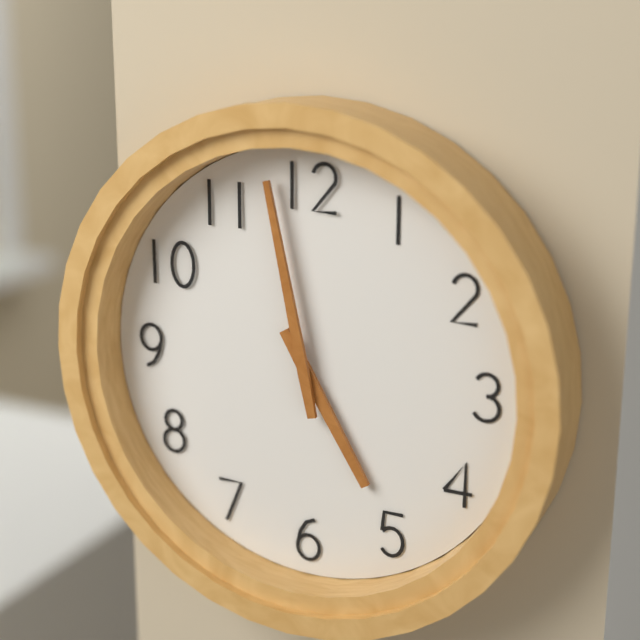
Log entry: 4,58
